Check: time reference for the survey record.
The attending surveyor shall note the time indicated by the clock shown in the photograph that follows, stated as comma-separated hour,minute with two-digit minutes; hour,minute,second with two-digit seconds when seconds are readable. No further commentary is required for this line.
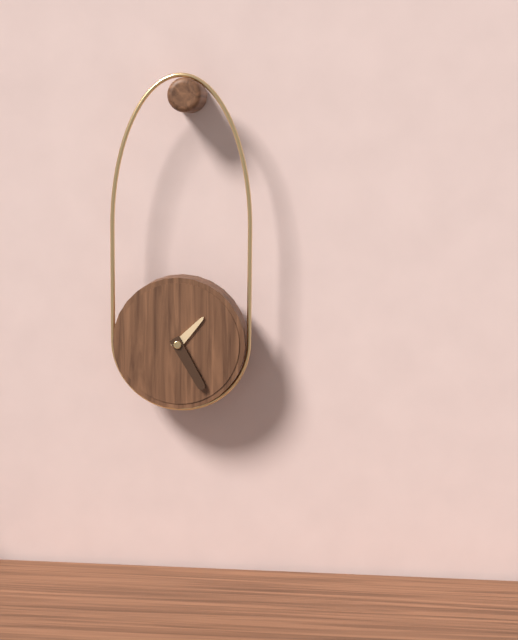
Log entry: 1,25
